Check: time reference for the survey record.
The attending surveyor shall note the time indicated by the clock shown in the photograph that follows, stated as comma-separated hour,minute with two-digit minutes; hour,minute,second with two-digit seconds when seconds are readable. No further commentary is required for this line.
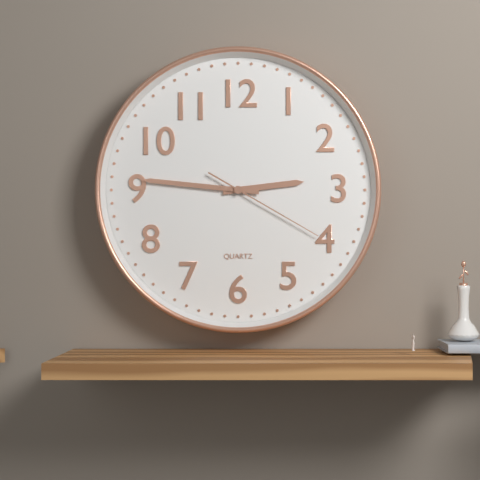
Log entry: 2,46,20
